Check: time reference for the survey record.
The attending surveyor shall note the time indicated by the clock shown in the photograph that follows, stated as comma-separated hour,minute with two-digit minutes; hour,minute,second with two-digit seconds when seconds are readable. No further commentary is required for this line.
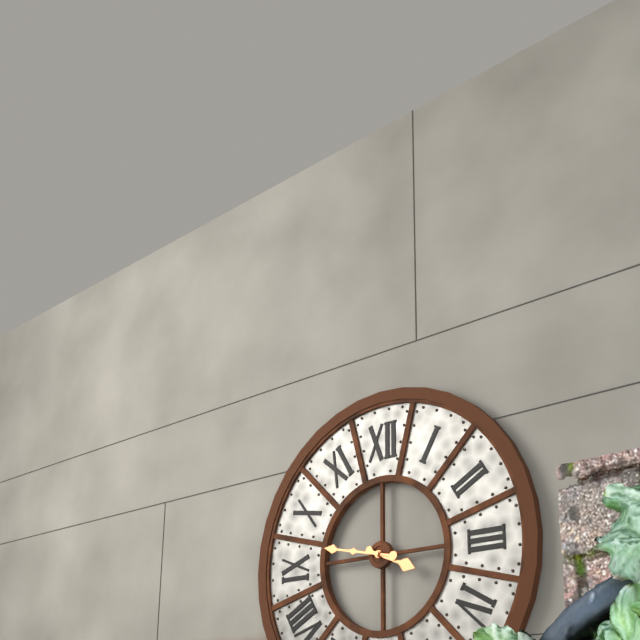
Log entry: 3,47
